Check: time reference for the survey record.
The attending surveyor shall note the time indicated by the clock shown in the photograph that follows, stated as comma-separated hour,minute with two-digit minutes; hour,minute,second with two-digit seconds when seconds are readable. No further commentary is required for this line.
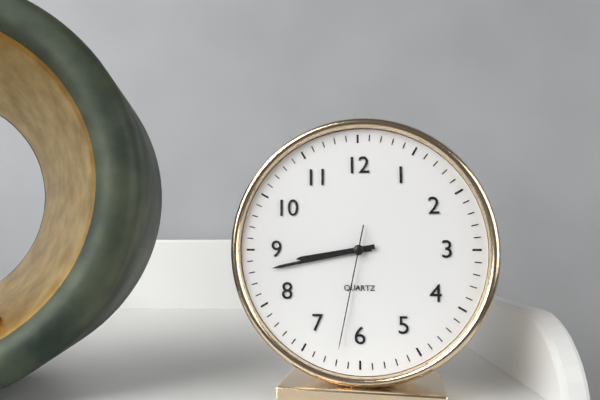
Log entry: 8,43,32
